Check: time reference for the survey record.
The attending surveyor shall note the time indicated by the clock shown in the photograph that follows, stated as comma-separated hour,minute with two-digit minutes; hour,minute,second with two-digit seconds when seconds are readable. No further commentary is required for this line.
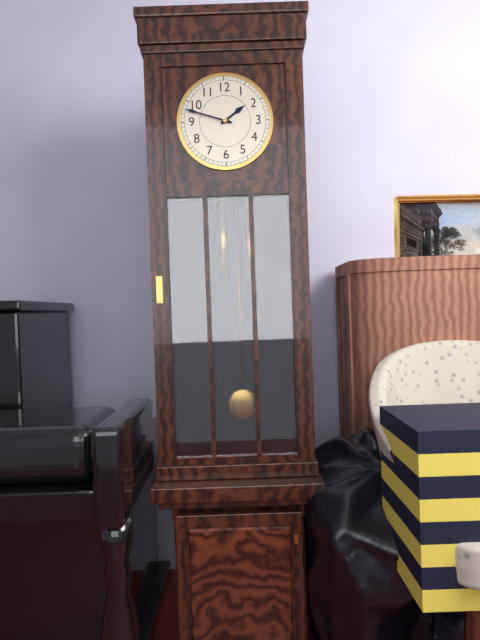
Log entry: 1,48
